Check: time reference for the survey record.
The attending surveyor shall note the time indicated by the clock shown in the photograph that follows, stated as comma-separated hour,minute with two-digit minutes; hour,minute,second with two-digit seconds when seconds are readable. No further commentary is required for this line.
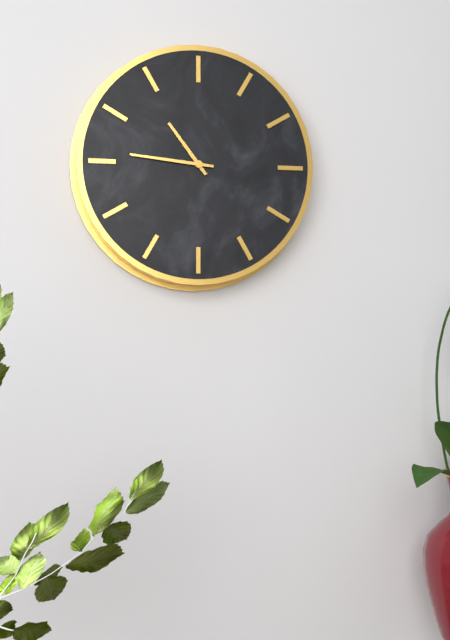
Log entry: 10,46
